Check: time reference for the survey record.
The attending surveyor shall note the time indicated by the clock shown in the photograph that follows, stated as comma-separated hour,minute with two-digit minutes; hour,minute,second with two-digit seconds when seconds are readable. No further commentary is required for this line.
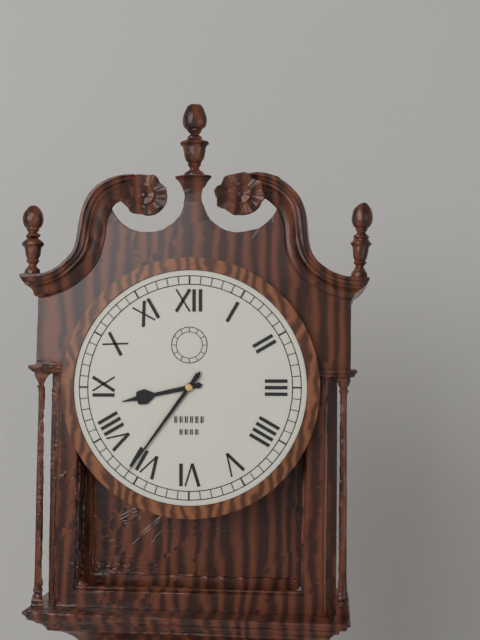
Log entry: 8,36
